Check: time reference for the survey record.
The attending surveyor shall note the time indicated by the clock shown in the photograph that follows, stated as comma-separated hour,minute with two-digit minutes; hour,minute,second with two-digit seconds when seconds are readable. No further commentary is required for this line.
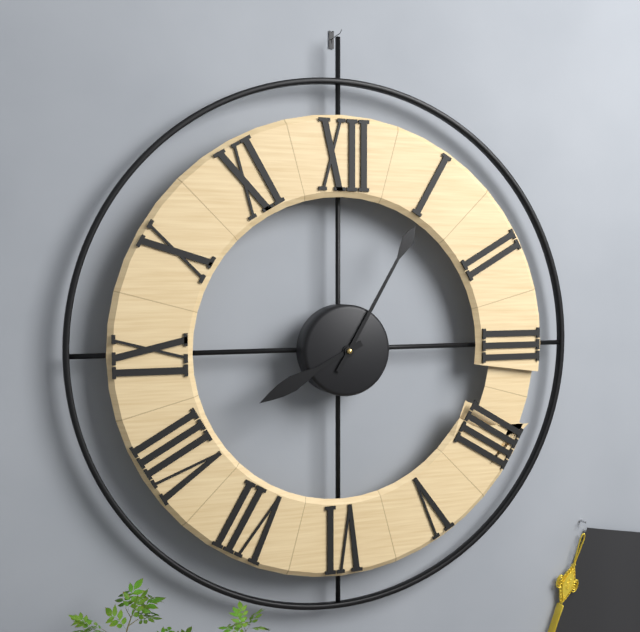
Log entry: 8,05
